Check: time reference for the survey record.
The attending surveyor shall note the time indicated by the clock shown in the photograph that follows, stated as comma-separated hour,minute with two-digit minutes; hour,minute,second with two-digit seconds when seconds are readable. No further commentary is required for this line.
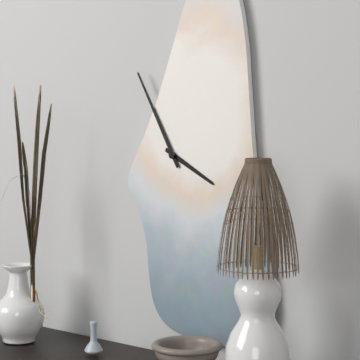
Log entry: 3,55
